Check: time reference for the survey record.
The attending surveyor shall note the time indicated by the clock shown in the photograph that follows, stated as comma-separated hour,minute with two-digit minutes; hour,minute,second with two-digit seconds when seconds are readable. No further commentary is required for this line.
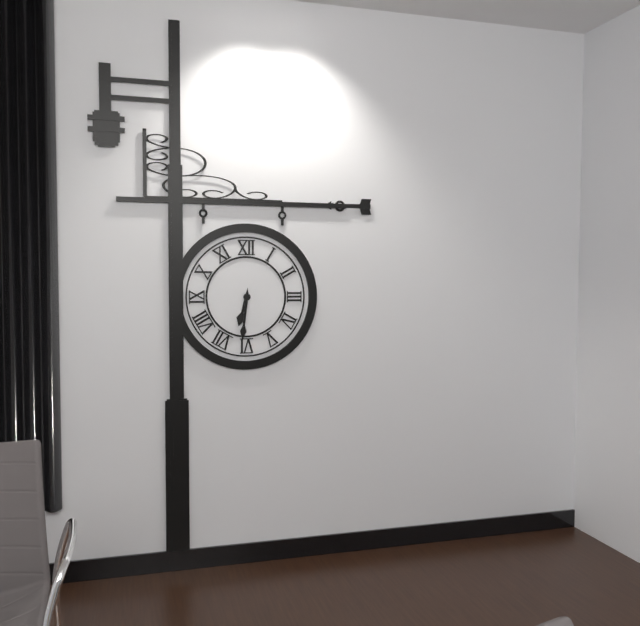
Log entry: 6,31
